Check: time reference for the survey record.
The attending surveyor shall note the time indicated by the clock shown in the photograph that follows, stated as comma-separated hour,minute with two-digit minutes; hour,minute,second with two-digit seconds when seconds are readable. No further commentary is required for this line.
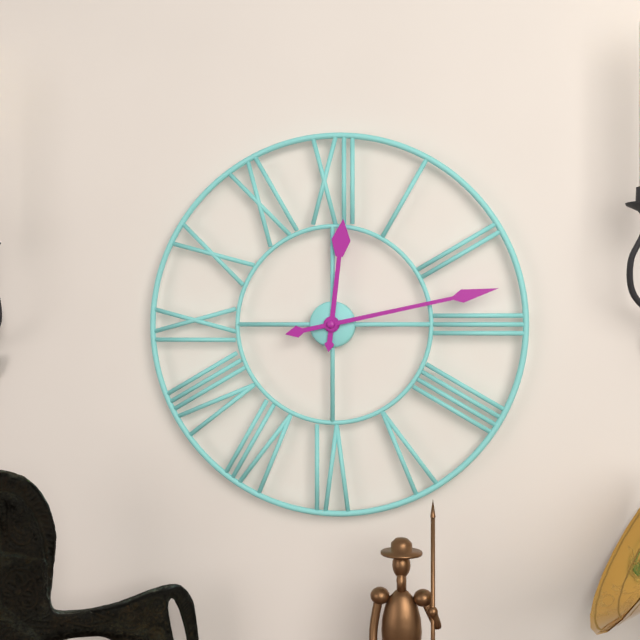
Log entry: 12,13
